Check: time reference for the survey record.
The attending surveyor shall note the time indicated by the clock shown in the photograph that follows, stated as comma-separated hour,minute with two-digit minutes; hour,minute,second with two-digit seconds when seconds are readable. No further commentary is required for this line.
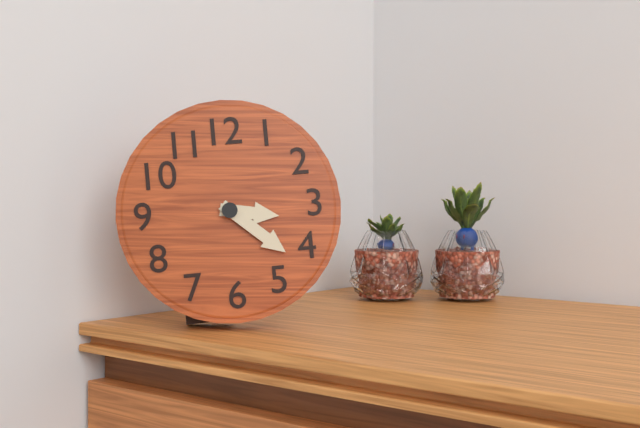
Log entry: 3,22
